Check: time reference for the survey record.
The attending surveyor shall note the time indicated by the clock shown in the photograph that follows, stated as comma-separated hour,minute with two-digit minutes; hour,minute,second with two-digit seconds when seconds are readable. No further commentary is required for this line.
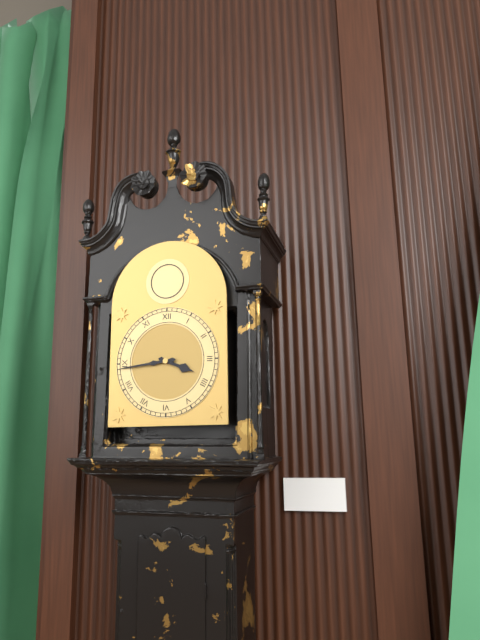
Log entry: 3,44
